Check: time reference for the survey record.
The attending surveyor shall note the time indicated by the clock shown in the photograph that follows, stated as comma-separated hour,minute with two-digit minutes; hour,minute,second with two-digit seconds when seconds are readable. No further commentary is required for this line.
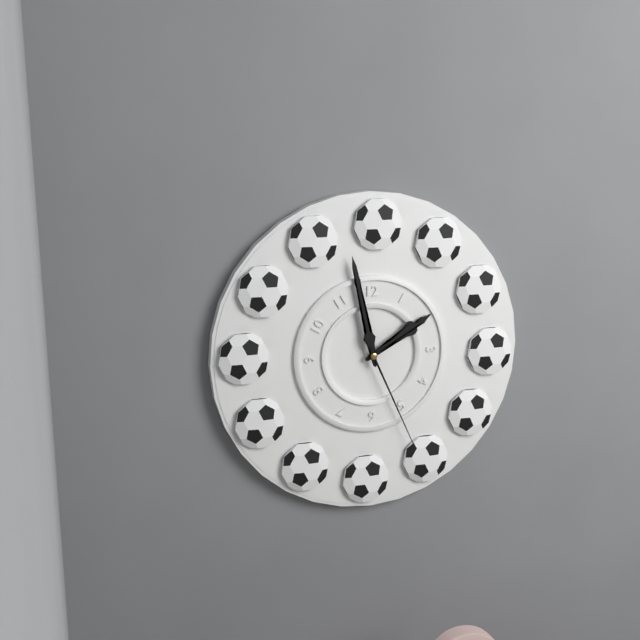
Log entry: 1,58,26
